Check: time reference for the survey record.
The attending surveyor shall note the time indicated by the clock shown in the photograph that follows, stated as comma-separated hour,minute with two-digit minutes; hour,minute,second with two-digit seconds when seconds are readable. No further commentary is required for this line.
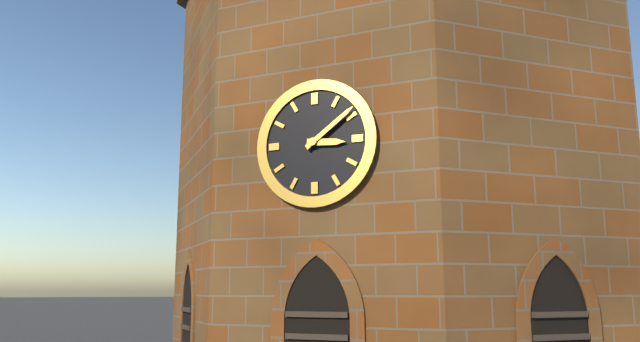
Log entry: 3,09
